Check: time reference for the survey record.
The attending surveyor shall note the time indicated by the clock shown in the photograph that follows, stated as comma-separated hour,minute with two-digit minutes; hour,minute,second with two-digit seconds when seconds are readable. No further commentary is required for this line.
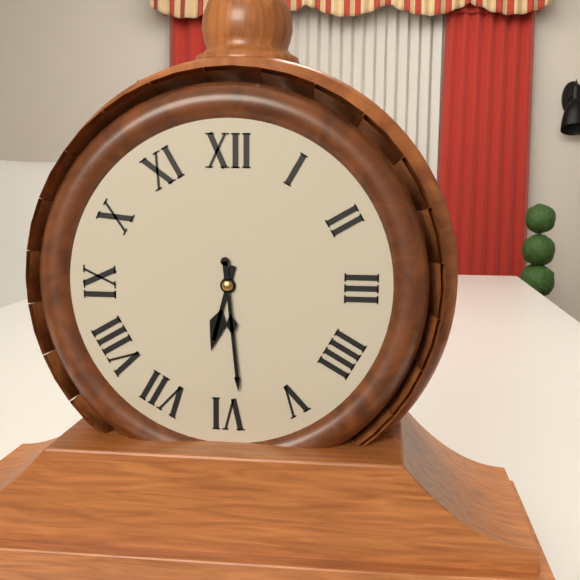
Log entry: 6,29
